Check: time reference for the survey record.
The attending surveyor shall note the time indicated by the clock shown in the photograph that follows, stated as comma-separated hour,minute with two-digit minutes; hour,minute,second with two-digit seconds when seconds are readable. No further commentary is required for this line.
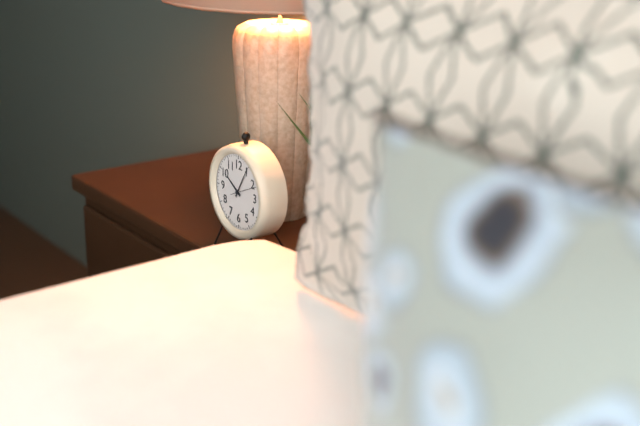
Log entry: 10,05
